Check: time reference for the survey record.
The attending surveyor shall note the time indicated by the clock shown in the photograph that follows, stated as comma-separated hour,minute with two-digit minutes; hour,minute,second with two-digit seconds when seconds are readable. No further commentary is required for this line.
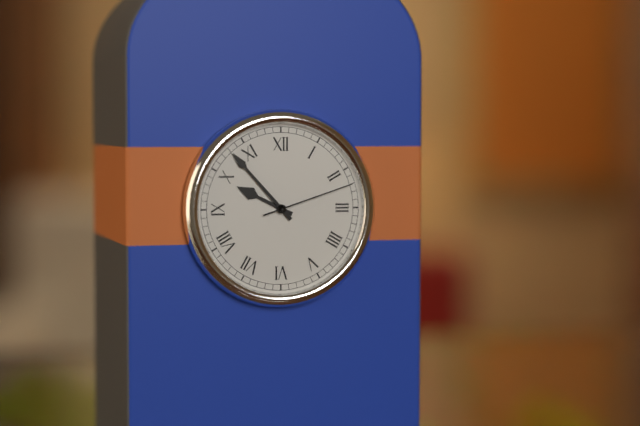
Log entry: 9,53,12
